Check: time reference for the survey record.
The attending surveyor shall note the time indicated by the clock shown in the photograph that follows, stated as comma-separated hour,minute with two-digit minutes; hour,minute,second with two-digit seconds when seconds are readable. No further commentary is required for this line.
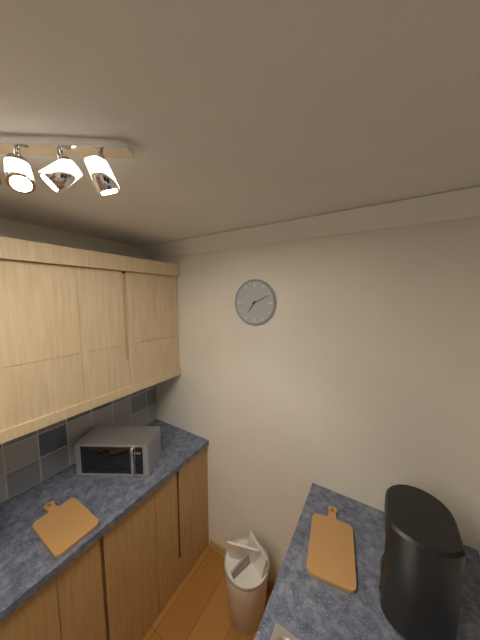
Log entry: 7,11
